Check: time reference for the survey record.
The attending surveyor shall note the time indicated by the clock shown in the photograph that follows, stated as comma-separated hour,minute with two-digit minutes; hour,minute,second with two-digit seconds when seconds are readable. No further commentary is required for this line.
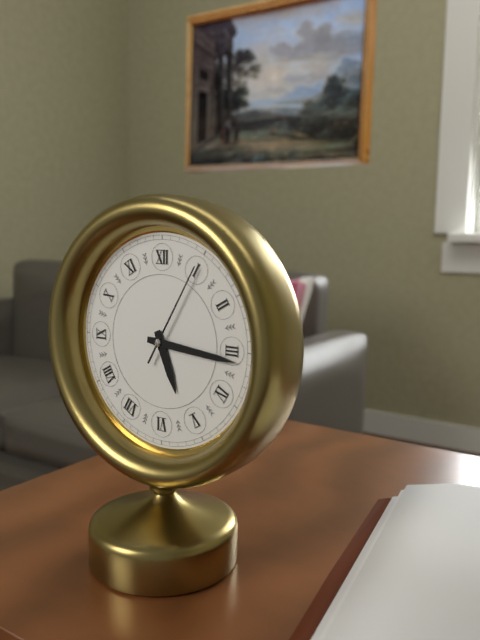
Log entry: 5,16,05
